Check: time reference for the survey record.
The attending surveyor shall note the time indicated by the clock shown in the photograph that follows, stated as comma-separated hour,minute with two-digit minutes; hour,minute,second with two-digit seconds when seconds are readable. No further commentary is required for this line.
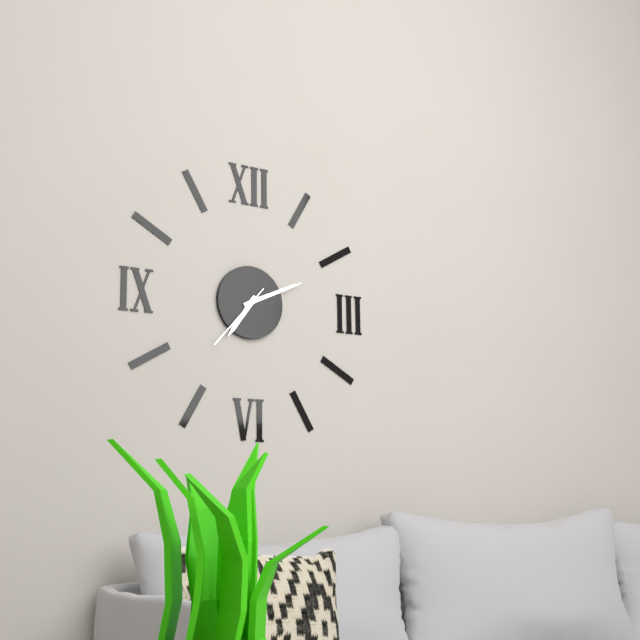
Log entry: 7,11,37
